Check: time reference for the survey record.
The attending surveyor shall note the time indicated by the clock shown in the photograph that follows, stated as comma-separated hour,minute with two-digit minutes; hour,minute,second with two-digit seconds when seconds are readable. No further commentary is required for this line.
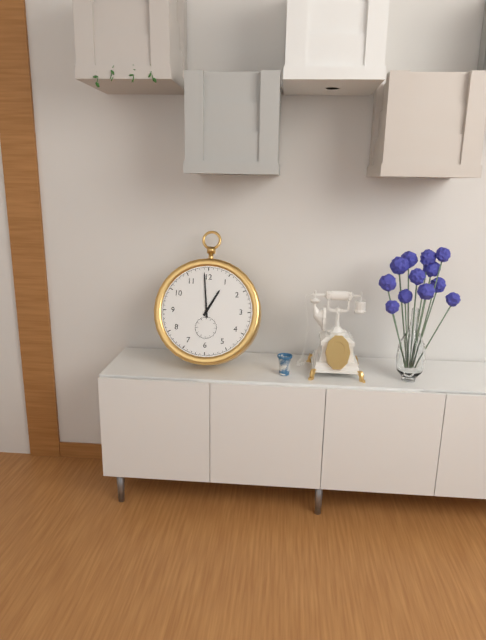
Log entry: 12,59
